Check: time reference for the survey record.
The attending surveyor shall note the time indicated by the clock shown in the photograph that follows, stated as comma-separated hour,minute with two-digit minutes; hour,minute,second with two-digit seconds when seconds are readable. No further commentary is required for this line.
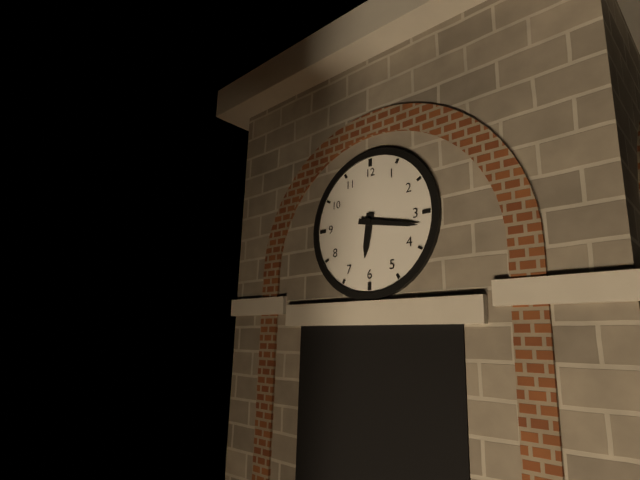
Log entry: 6,17
